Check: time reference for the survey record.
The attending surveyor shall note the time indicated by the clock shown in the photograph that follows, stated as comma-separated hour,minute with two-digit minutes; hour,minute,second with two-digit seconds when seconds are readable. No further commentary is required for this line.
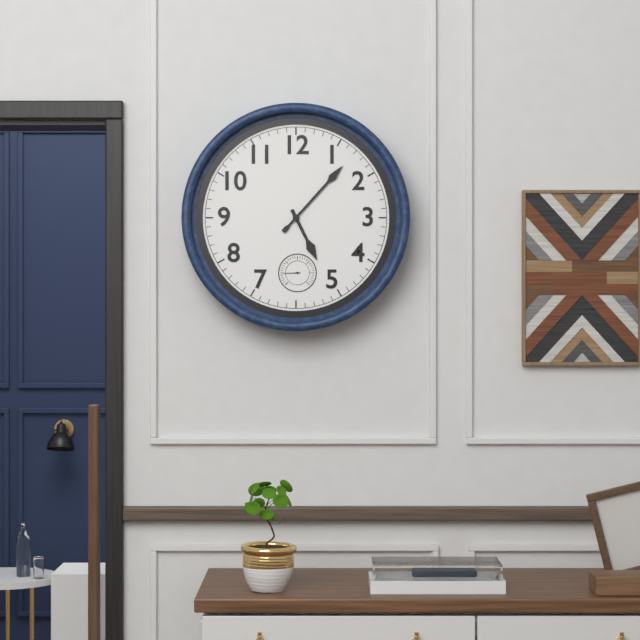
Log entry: 5,07
